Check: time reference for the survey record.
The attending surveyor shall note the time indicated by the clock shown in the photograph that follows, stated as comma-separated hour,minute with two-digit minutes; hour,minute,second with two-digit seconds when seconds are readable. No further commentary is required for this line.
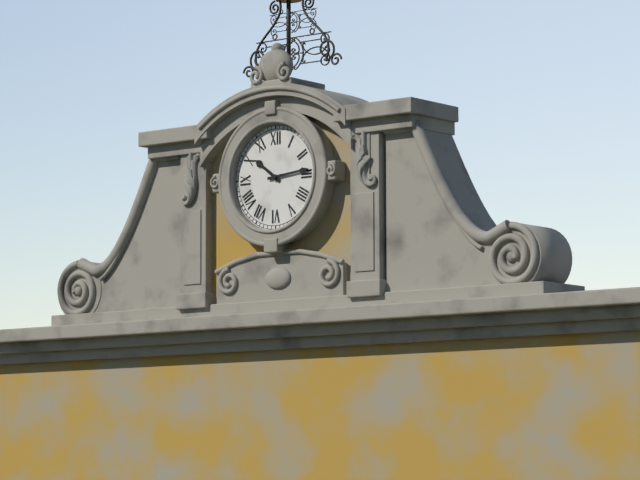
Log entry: 10,14
